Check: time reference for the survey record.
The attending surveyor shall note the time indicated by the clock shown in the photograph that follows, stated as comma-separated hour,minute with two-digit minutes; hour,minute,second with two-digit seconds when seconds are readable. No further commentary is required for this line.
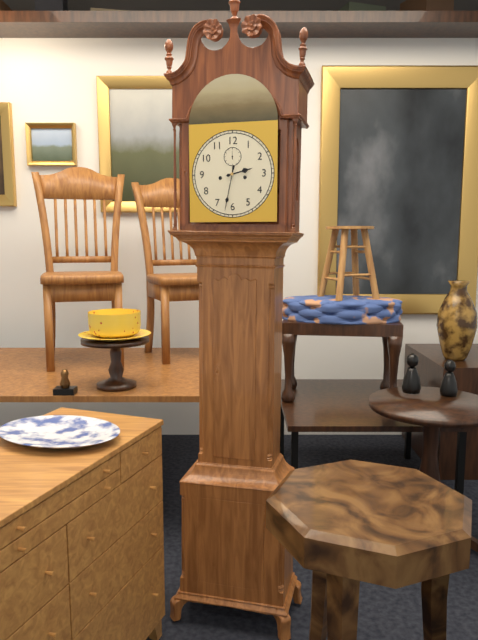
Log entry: 2,32
